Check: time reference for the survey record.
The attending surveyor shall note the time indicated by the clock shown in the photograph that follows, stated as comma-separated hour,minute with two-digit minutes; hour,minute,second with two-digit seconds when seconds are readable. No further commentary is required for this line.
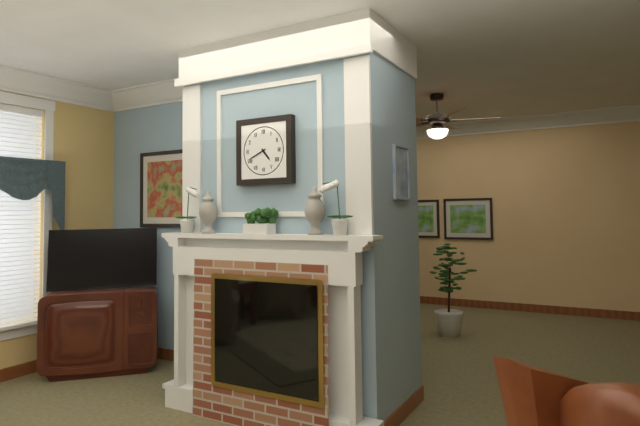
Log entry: 4,41
